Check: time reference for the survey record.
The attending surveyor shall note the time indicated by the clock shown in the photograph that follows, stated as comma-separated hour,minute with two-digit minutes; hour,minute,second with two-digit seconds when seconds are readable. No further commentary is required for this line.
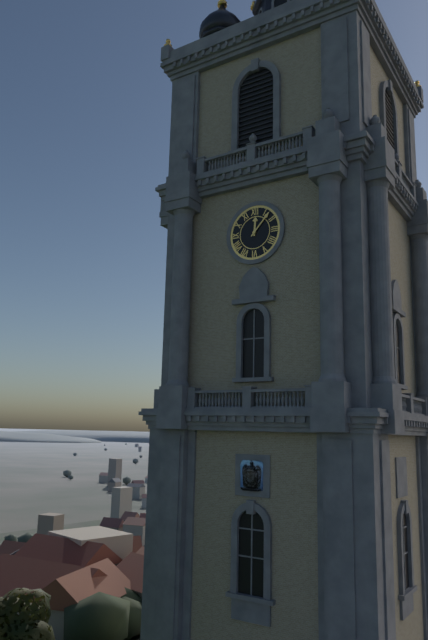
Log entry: 12,07
